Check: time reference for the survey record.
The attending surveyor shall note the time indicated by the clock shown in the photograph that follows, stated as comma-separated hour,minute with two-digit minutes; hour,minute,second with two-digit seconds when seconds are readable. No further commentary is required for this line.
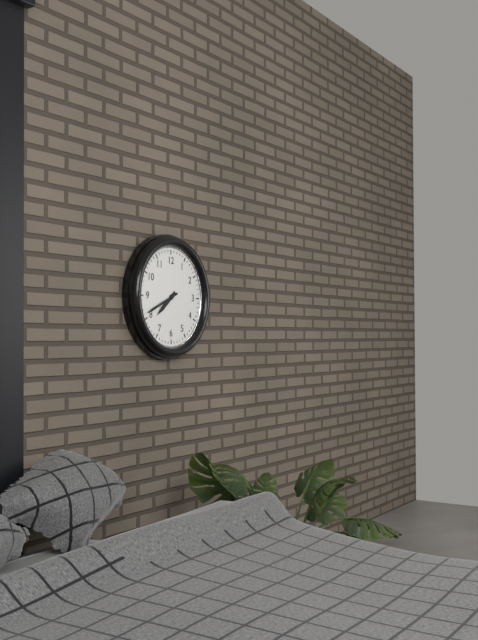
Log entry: 7,41
